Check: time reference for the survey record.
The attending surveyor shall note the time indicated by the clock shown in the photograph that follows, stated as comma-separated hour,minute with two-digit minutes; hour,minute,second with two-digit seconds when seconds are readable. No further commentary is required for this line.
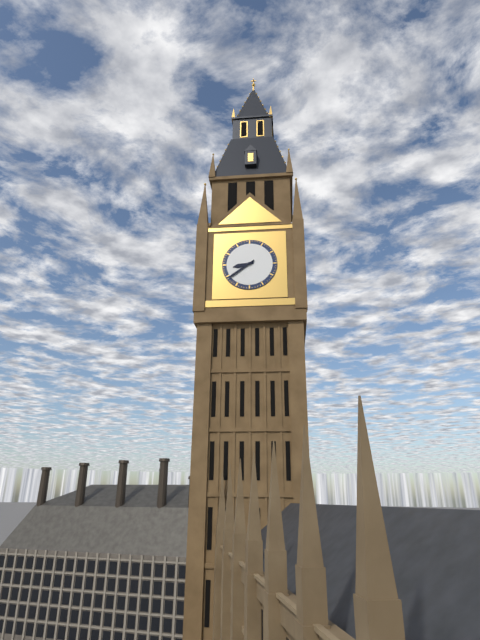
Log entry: 8,39
